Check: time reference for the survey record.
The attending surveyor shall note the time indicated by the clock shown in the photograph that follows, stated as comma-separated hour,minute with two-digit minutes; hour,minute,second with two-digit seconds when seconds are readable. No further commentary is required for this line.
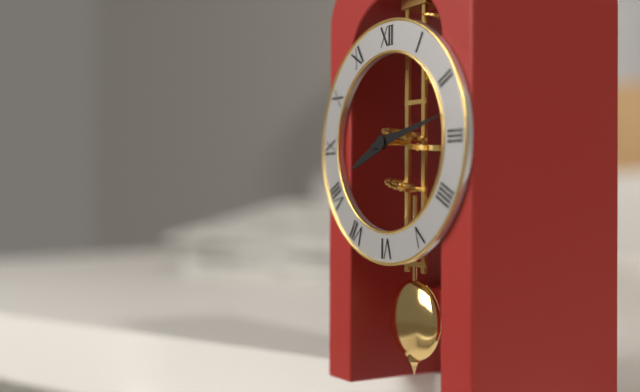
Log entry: 8,13
